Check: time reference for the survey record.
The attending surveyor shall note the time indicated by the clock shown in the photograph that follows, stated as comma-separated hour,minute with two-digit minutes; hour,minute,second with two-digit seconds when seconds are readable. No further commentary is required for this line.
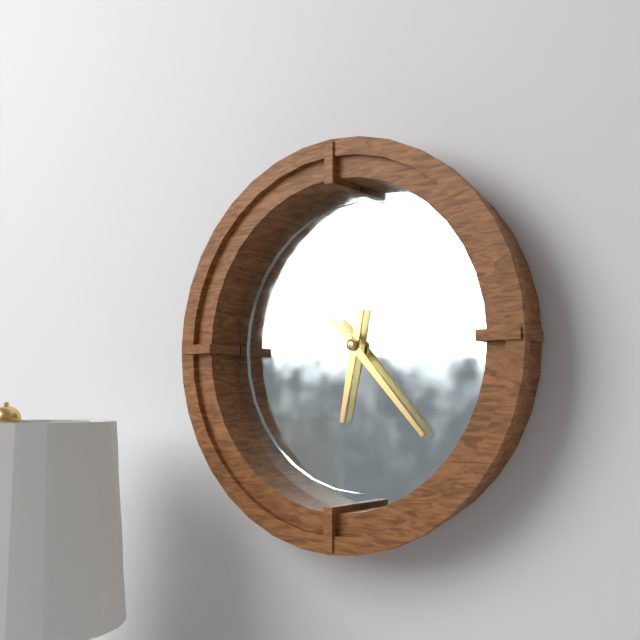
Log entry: 6,23
